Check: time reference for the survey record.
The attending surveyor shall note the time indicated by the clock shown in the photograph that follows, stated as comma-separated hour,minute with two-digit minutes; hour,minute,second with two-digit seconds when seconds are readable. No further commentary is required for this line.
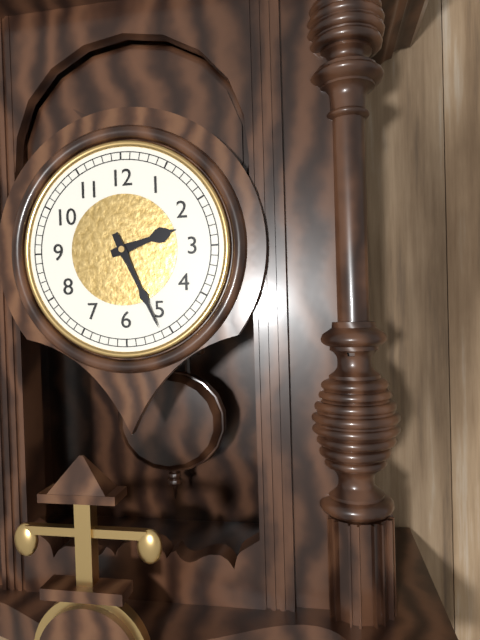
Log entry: 2,26
